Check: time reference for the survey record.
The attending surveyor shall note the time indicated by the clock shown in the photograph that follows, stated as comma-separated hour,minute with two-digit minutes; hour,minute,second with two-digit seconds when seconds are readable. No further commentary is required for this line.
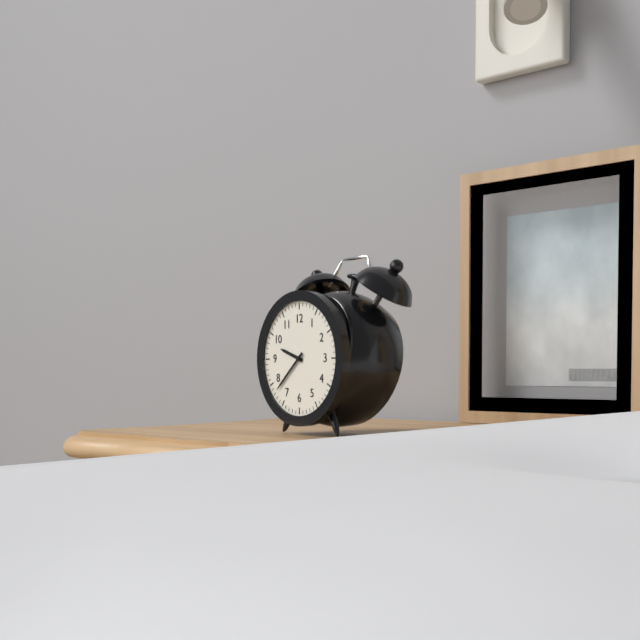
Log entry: 9,38
